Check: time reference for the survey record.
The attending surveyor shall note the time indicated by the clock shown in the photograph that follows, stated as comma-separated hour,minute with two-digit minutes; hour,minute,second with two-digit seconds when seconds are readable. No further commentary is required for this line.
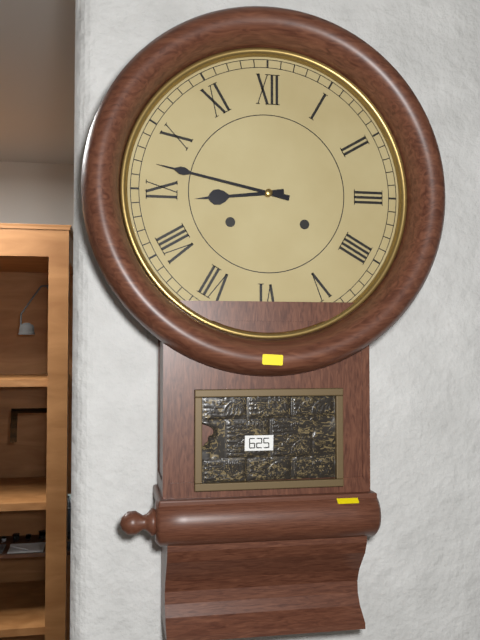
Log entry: 8,47
